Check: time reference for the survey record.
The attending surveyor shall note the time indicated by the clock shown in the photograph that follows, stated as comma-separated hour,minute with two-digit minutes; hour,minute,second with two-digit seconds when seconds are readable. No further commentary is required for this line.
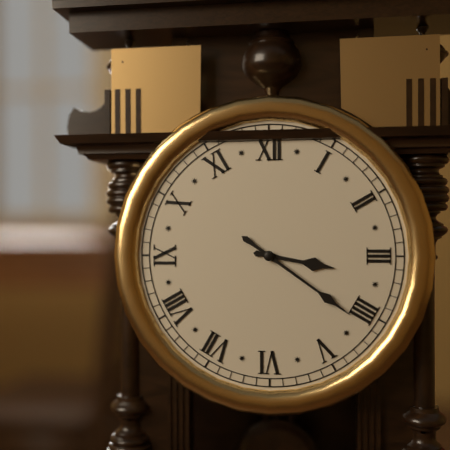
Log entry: 3,21
